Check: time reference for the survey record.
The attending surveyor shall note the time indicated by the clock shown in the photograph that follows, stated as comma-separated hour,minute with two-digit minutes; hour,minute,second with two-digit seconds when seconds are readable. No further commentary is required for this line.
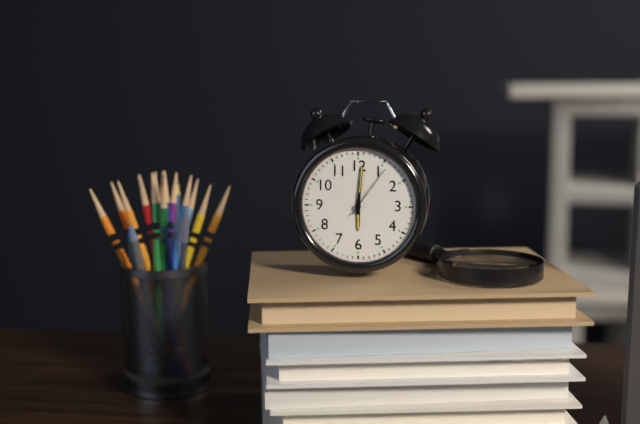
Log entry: 6,01,06
